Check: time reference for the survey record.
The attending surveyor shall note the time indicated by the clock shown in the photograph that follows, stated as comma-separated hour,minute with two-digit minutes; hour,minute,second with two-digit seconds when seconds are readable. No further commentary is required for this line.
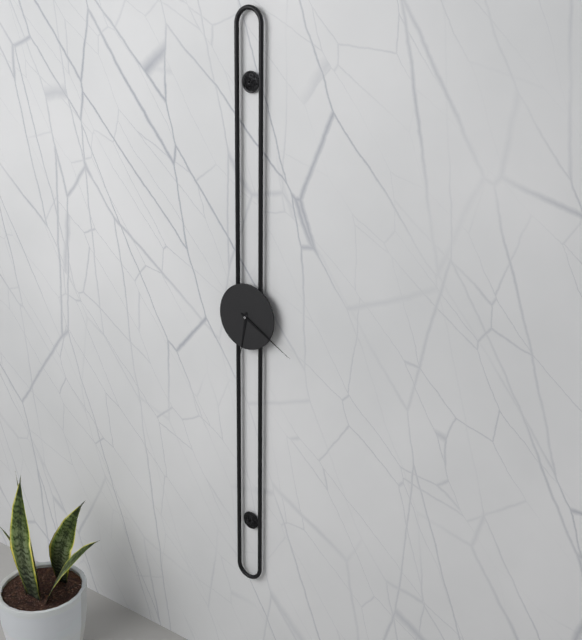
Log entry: 6,20
